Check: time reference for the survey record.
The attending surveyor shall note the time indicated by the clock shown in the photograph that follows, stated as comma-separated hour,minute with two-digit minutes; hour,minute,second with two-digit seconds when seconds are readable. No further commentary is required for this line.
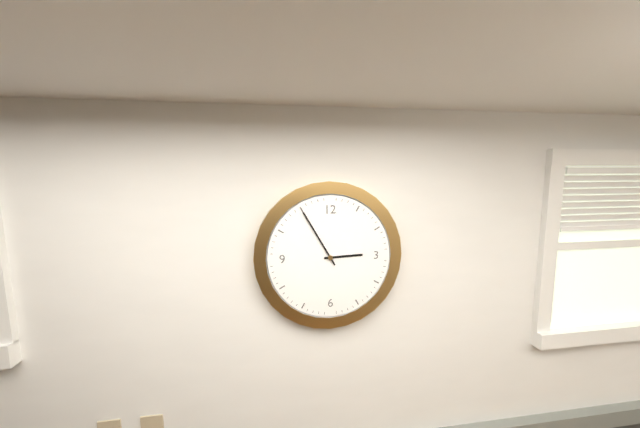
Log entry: 2,55
